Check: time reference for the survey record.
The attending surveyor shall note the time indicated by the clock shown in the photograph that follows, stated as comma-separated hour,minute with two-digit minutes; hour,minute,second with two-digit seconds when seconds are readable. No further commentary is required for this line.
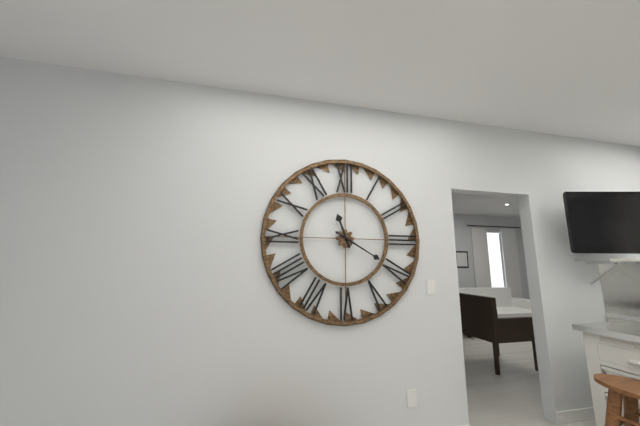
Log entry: 11,20
